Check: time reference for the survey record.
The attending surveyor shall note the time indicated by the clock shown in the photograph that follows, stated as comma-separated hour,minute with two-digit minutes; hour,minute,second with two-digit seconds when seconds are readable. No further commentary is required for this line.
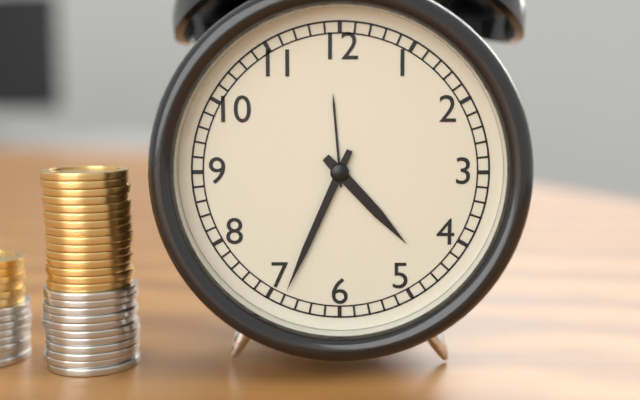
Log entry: 4,34
